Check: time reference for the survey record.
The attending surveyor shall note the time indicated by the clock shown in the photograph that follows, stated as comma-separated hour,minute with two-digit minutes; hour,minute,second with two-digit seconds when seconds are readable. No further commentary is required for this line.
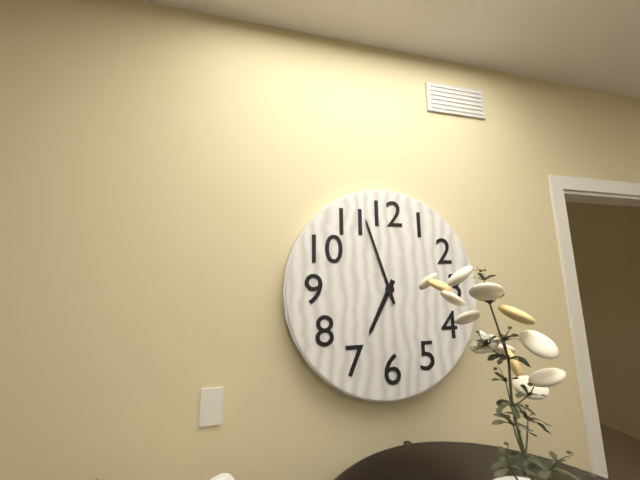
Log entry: 6,57
